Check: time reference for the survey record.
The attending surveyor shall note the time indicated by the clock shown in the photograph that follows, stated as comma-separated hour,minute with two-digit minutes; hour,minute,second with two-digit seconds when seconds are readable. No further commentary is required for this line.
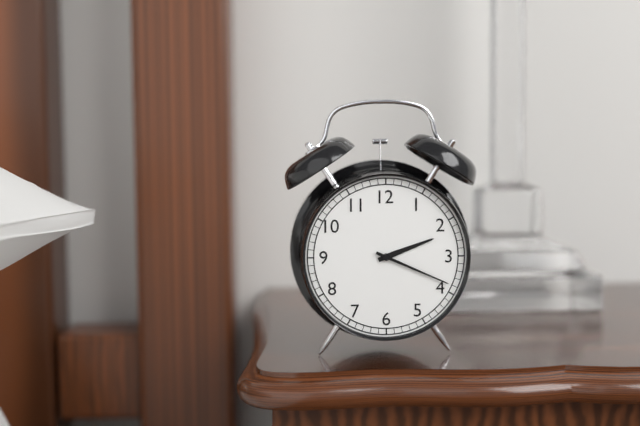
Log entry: 2,19
